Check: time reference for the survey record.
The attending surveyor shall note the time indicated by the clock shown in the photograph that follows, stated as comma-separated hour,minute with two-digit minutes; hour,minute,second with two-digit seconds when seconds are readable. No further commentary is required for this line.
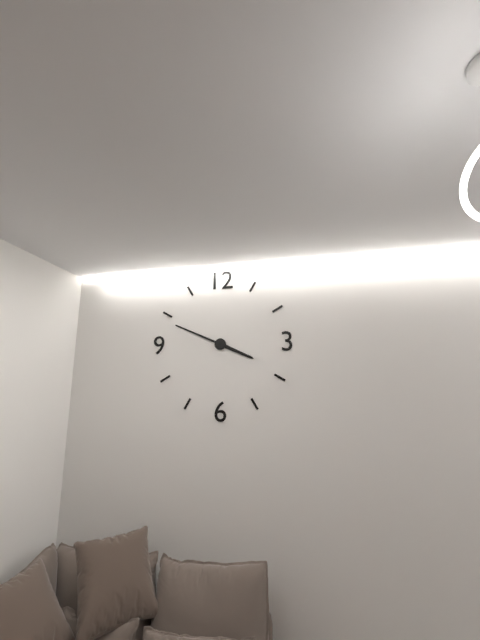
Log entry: 3,49
